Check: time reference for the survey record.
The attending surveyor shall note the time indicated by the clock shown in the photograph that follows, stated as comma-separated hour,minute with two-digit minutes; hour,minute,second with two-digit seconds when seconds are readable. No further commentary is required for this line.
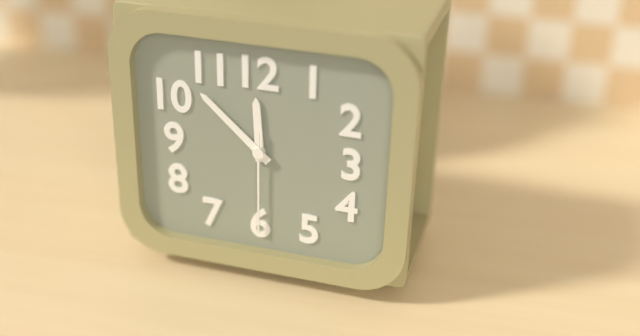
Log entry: 11,52,30
